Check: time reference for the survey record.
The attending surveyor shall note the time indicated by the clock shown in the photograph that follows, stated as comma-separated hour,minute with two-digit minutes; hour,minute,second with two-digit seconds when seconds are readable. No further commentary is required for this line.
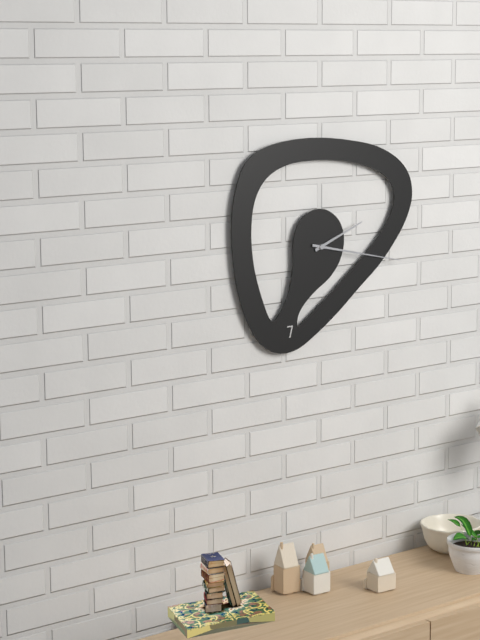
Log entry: 2,17
